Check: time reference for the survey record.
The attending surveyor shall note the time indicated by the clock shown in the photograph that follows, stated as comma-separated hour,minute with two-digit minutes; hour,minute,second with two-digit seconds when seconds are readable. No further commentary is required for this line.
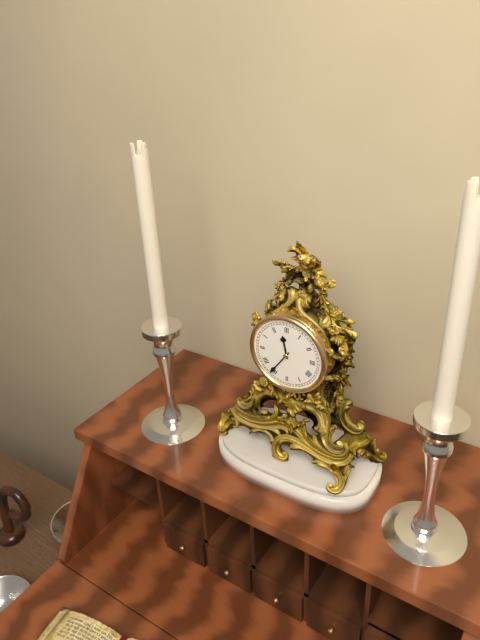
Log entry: 11,36
